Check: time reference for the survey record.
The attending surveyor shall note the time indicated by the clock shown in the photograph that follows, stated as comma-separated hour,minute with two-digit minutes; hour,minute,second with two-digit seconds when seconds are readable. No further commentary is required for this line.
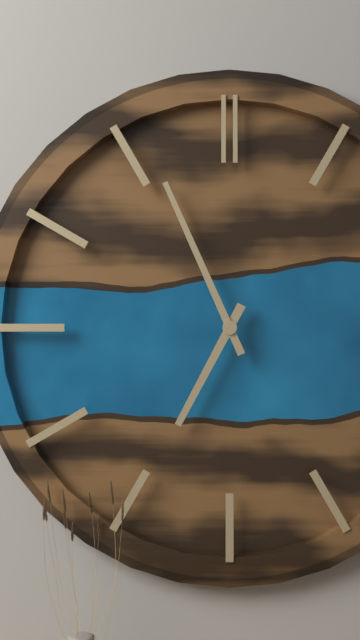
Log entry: 6,56
